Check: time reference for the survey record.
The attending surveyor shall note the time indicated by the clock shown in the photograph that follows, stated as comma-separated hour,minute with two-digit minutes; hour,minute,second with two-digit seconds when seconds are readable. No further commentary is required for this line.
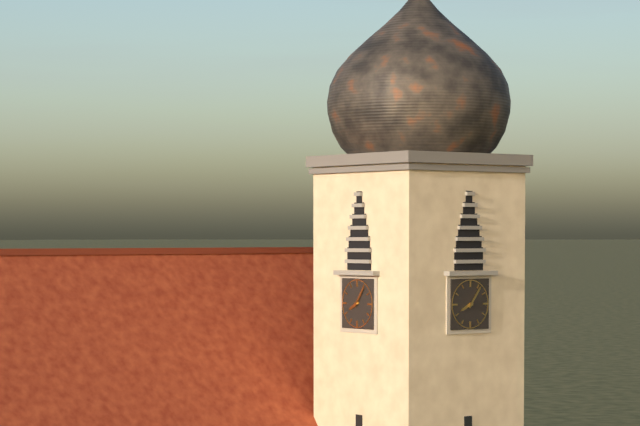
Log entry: 8,06
